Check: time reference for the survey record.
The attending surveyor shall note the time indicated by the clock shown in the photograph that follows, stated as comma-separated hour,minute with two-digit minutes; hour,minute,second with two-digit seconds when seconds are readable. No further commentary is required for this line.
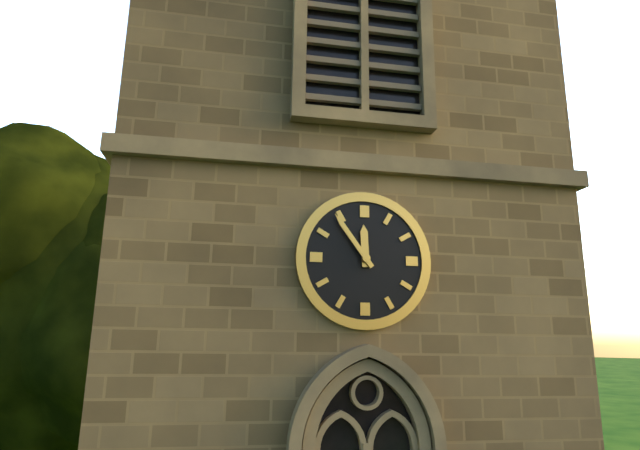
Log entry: 11,54
